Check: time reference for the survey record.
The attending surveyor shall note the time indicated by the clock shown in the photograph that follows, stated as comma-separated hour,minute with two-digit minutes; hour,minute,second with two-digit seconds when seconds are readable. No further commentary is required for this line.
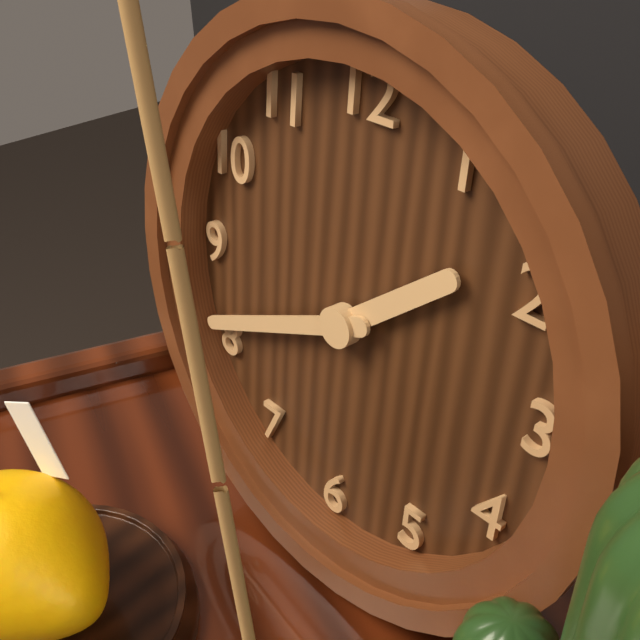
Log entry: 1,41
